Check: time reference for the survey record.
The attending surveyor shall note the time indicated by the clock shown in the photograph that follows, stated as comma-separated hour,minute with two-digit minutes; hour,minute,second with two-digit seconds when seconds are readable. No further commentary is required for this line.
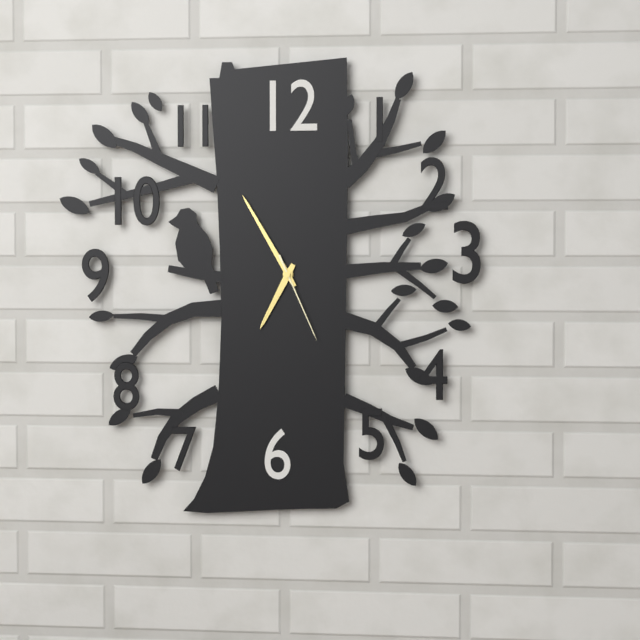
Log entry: 6,55,26
